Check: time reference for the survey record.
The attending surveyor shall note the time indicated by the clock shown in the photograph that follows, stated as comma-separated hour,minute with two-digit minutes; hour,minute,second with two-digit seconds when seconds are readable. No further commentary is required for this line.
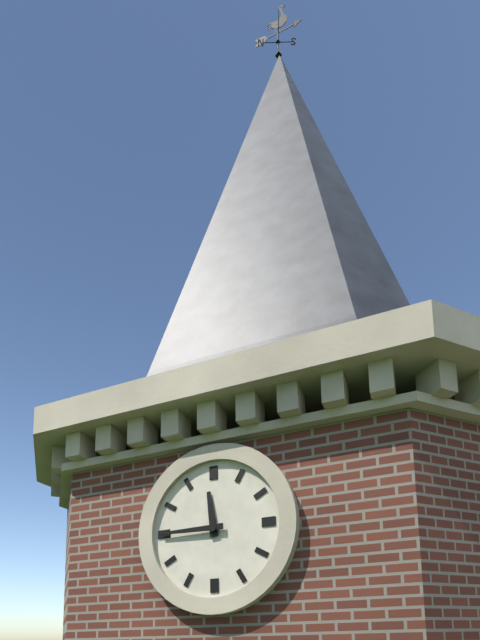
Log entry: 11,45
